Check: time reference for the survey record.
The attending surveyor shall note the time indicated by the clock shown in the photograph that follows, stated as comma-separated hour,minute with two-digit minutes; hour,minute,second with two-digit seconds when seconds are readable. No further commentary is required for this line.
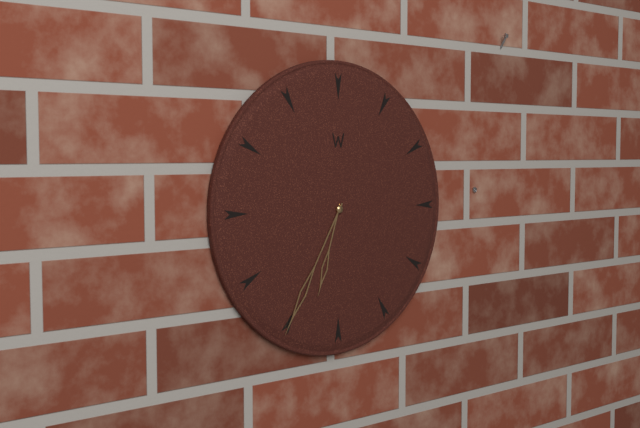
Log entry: 6,35
